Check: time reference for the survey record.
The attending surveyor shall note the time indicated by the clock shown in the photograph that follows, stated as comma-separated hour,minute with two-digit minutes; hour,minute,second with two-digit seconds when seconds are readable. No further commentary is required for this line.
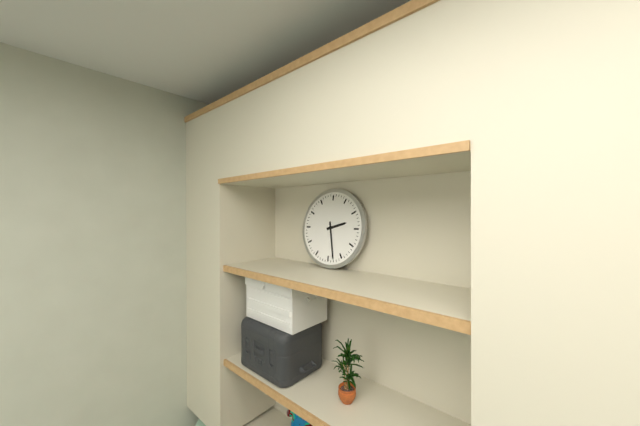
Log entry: 2,28
